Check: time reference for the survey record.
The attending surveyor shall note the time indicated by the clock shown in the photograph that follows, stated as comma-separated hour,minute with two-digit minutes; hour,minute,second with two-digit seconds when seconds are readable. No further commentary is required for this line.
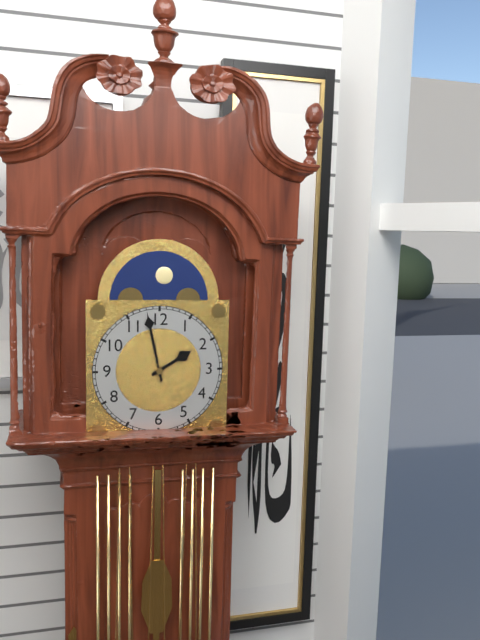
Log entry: 1,58
